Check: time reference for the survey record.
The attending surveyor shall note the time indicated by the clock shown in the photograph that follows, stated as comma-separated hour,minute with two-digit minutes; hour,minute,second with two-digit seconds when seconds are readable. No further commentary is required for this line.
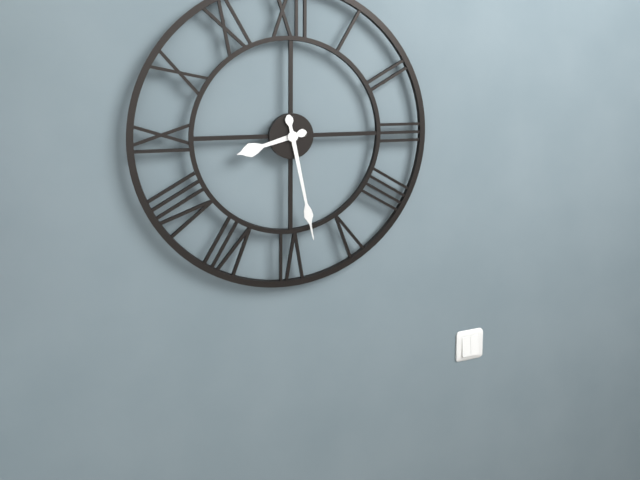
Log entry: 8,28
